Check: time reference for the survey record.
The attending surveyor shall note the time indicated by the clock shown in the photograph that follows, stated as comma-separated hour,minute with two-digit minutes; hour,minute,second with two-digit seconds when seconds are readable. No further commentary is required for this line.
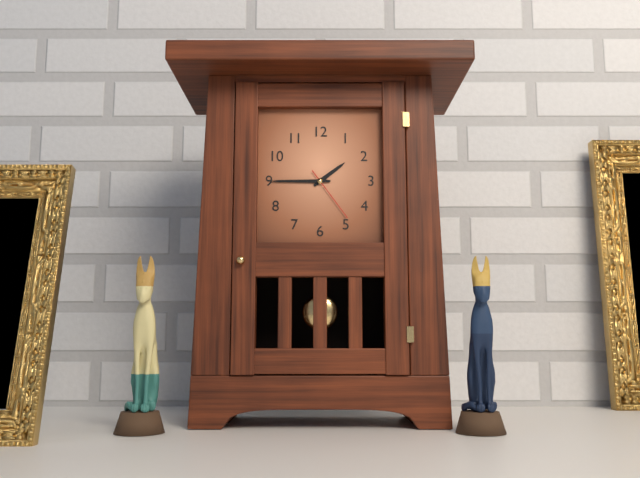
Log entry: 1,45,24
